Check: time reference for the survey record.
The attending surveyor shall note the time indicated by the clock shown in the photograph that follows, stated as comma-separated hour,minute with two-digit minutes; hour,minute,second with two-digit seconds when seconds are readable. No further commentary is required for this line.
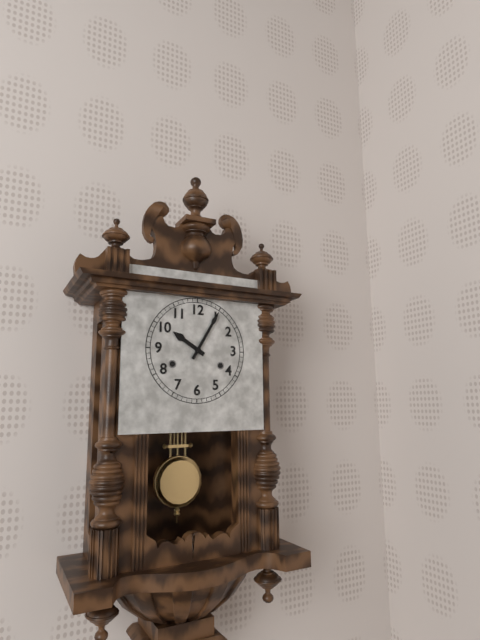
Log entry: 10,05
